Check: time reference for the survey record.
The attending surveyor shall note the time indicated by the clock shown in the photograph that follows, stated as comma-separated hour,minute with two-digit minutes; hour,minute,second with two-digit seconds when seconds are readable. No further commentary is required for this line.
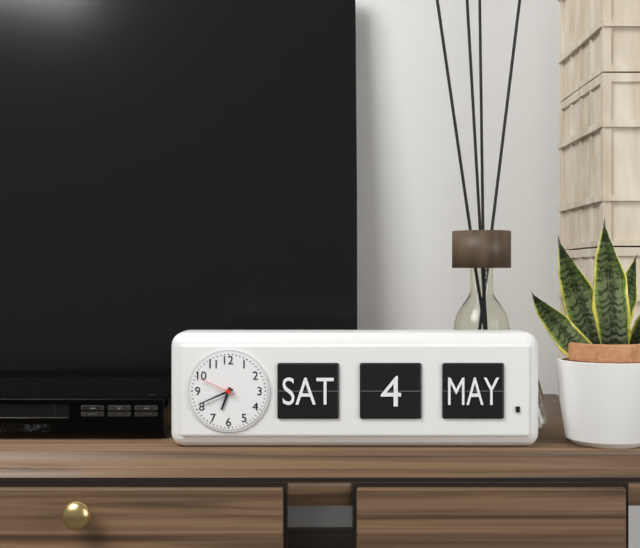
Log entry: 6,41
